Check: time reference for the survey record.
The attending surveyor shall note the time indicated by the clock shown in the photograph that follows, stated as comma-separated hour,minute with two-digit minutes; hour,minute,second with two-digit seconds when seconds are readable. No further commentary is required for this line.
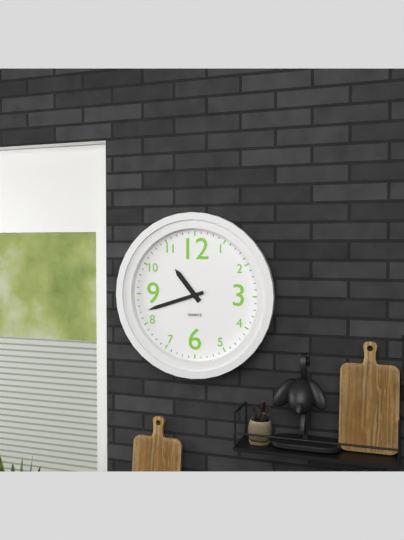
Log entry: 10,42
